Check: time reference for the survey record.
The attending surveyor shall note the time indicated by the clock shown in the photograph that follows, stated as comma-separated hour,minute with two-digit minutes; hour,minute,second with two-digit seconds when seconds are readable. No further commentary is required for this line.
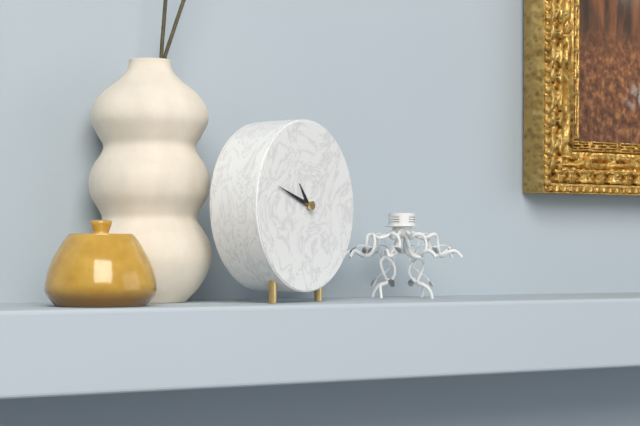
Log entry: 10,48
